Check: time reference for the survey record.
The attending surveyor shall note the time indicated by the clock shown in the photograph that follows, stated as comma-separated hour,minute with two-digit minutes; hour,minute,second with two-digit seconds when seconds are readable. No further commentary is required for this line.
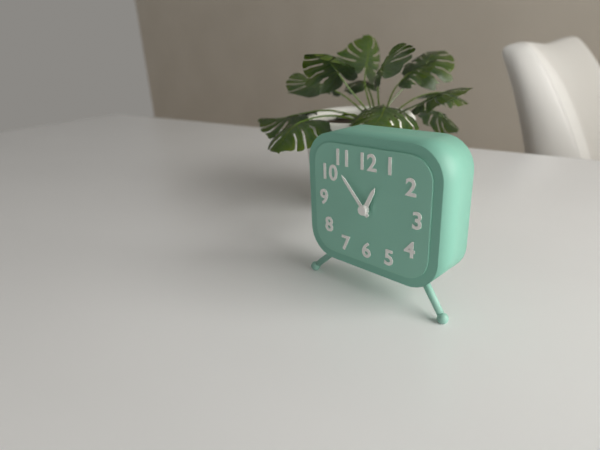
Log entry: 12,53
